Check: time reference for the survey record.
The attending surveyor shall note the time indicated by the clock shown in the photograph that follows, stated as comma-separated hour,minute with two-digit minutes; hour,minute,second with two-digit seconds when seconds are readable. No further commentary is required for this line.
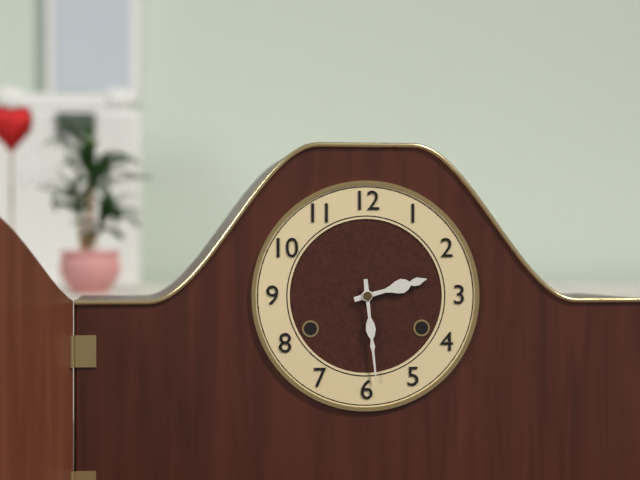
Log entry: 2,29
